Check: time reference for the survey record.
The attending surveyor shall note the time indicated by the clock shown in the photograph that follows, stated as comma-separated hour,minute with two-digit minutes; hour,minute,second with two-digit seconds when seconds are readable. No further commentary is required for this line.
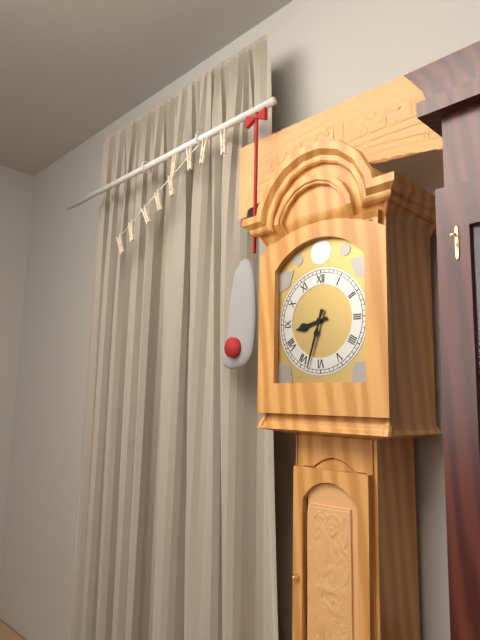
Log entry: 8,33
